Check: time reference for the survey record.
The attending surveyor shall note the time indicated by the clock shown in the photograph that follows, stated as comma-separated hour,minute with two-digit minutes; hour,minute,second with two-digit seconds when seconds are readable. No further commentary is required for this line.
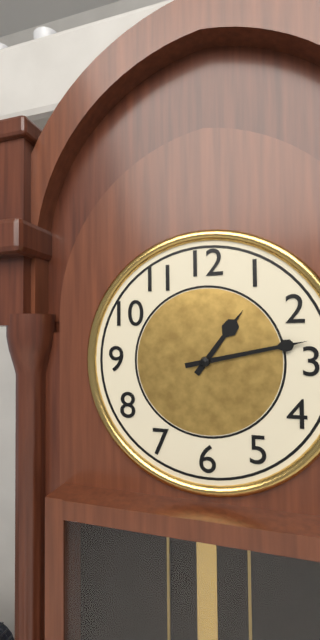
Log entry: 1,13
